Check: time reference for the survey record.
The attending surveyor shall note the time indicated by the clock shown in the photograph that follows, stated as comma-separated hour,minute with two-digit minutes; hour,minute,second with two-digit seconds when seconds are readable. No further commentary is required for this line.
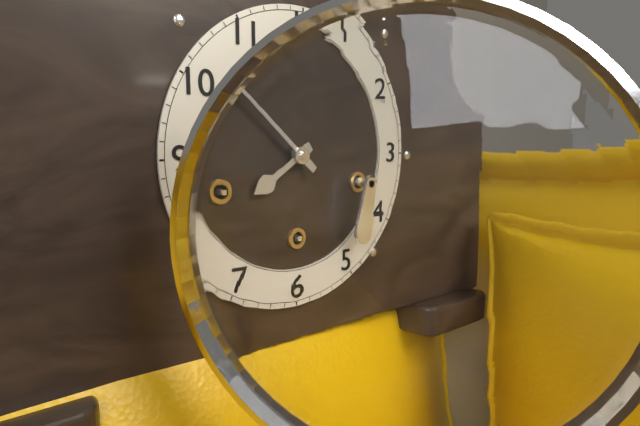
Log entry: 7,52
